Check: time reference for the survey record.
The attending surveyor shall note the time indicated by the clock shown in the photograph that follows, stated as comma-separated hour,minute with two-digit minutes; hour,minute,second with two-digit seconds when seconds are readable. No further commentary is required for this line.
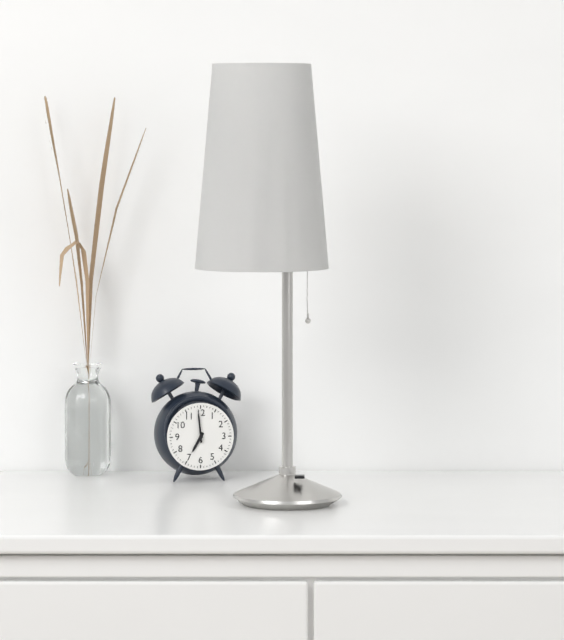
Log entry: 6,59
